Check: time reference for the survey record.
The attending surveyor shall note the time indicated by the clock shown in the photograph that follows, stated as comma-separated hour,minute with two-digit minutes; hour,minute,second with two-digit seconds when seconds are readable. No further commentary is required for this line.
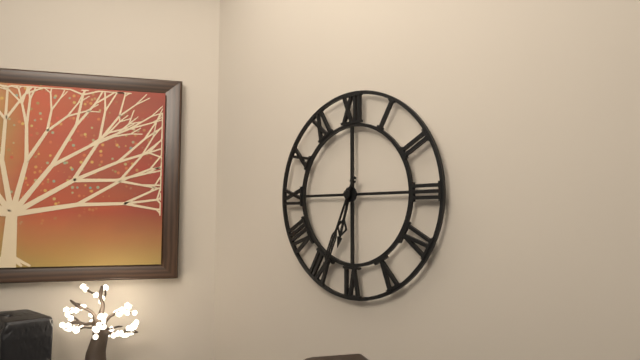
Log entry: 6,34
